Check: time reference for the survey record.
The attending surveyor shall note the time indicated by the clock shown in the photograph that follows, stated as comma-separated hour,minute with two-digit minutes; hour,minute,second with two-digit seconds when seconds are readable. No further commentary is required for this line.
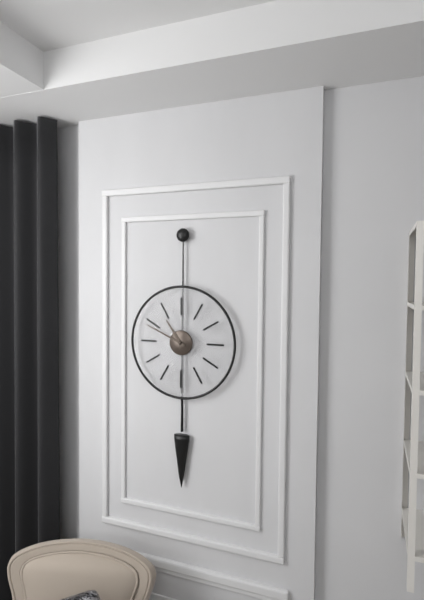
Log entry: 10,49
